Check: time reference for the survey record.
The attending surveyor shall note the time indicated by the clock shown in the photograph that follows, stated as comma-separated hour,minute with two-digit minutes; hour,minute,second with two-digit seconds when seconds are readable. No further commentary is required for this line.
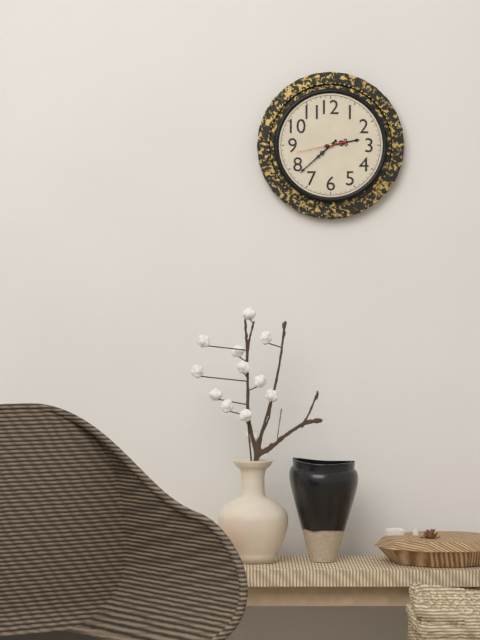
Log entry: 2,38
